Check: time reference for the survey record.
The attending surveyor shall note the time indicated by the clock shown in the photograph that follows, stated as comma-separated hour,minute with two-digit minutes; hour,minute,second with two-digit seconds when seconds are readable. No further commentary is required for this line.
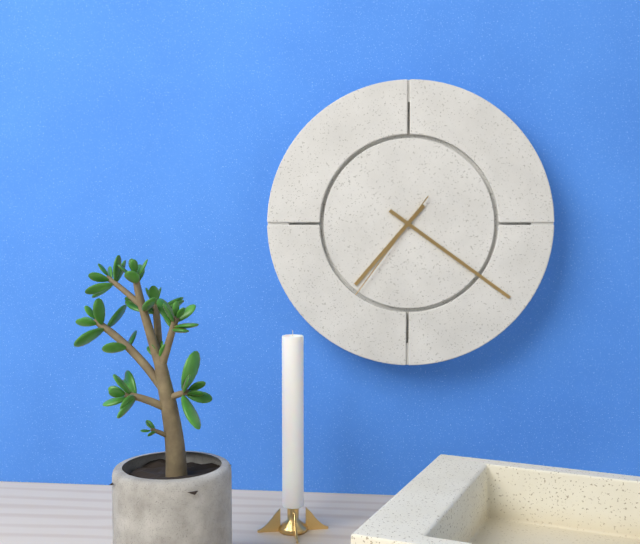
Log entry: 7,21,36
